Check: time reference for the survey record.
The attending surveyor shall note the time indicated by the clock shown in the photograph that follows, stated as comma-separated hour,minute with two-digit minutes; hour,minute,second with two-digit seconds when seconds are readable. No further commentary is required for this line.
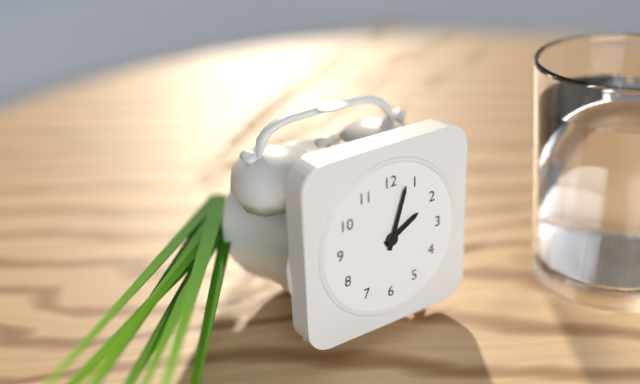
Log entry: 2,03
